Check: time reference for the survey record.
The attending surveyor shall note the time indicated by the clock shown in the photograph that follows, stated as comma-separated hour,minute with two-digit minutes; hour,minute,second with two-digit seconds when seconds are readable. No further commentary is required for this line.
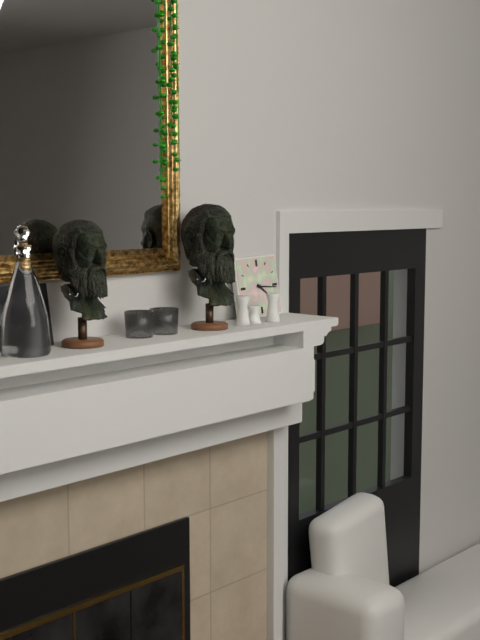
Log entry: 4,16
